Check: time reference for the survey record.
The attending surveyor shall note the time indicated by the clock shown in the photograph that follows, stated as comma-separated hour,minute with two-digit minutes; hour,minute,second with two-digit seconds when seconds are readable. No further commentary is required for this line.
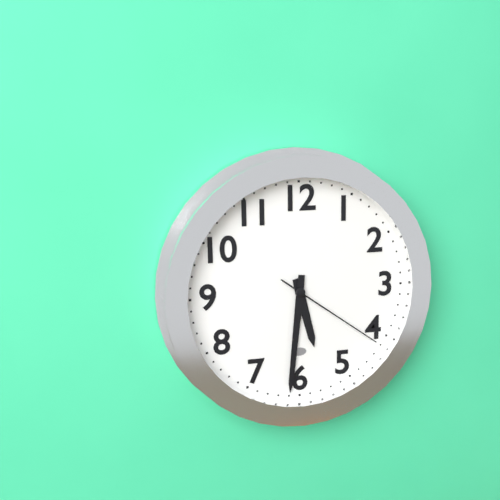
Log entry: 5,31,21
